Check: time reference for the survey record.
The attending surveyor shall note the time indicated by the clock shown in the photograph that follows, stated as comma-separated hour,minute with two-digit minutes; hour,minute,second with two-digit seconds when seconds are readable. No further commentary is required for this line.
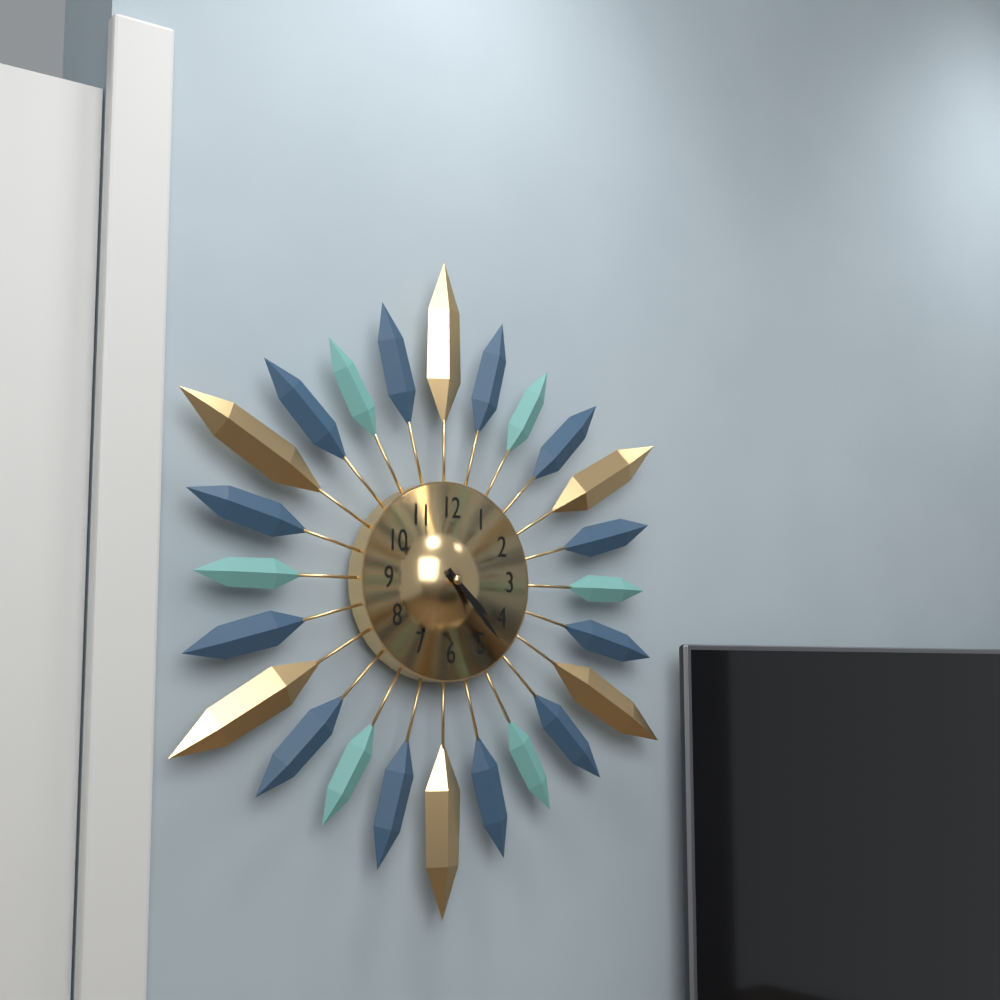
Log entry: 4,23
